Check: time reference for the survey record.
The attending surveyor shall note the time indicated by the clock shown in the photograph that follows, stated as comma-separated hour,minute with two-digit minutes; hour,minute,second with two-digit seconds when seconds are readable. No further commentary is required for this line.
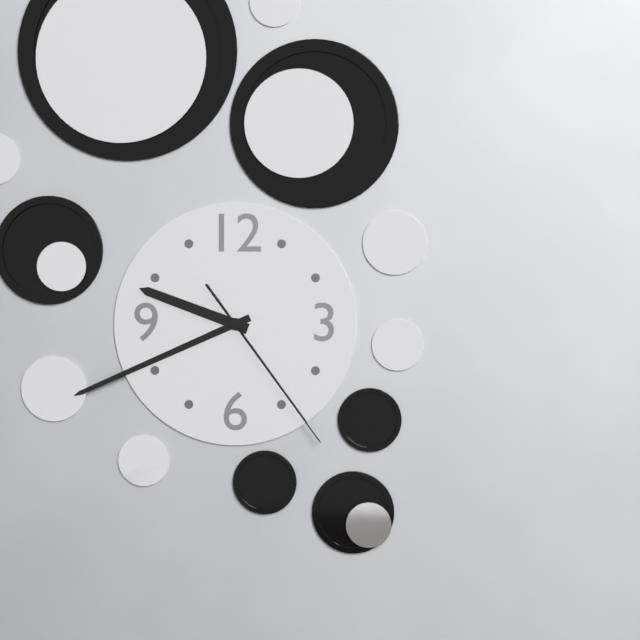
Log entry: 9,41,24
